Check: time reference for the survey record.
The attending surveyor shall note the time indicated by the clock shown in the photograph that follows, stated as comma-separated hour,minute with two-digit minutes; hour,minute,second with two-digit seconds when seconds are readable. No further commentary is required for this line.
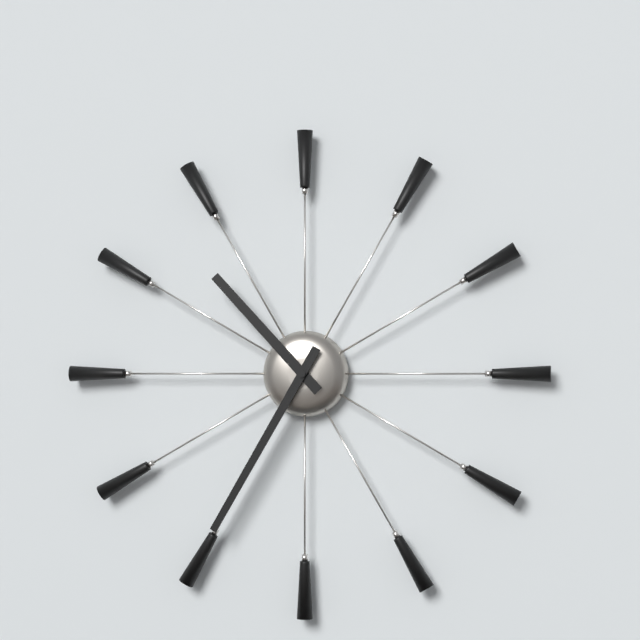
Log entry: 10,35
